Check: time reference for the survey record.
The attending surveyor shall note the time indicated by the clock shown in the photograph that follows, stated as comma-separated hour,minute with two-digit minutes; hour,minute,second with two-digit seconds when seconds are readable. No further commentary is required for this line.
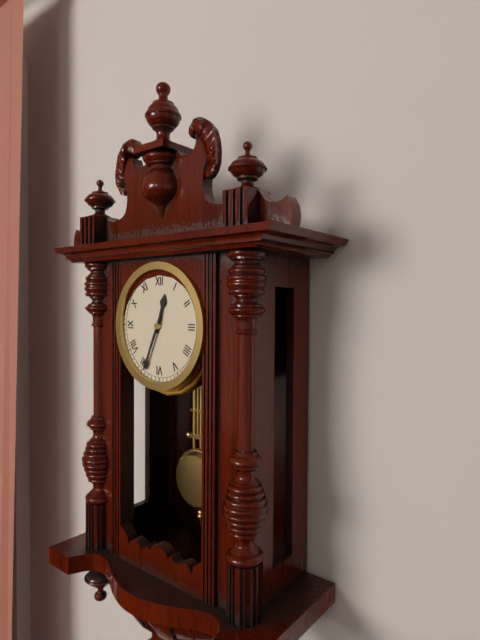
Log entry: 12,34
